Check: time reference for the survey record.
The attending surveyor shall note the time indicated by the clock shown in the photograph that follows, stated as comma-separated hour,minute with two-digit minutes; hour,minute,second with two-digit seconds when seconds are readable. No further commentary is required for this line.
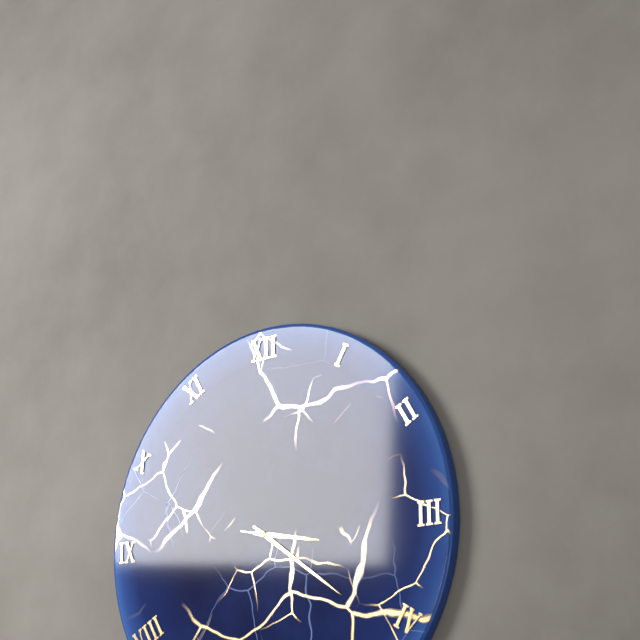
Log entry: 3,21,17
